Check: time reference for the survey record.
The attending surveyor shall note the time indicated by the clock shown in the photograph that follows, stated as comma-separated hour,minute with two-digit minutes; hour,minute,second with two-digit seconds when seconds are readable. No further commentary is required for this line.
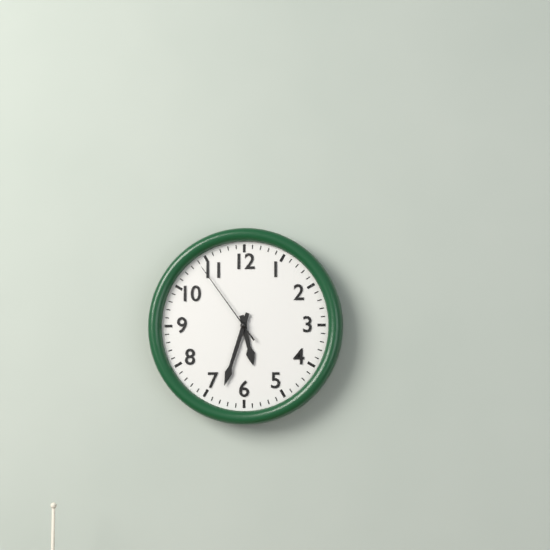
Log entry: 5,33,54
